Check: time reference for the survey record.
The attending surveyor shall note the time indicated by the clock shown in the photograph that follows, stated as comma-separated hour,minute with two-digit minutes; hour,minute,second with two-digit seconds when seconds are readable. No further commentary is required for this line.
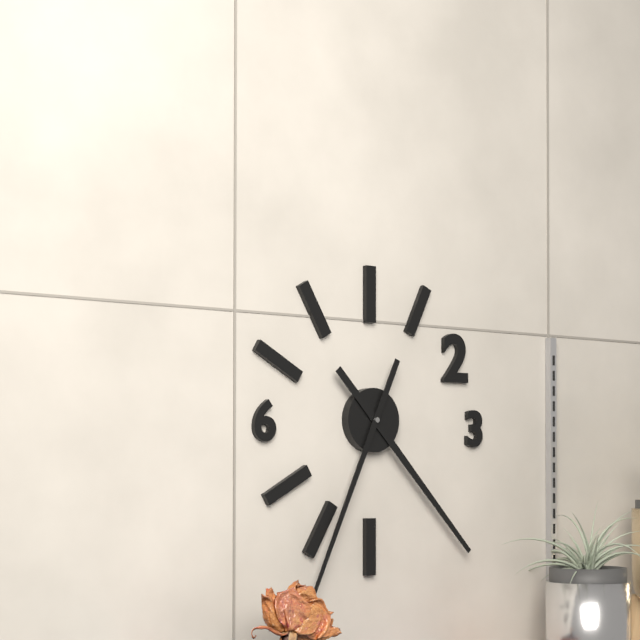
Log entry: 4,34
